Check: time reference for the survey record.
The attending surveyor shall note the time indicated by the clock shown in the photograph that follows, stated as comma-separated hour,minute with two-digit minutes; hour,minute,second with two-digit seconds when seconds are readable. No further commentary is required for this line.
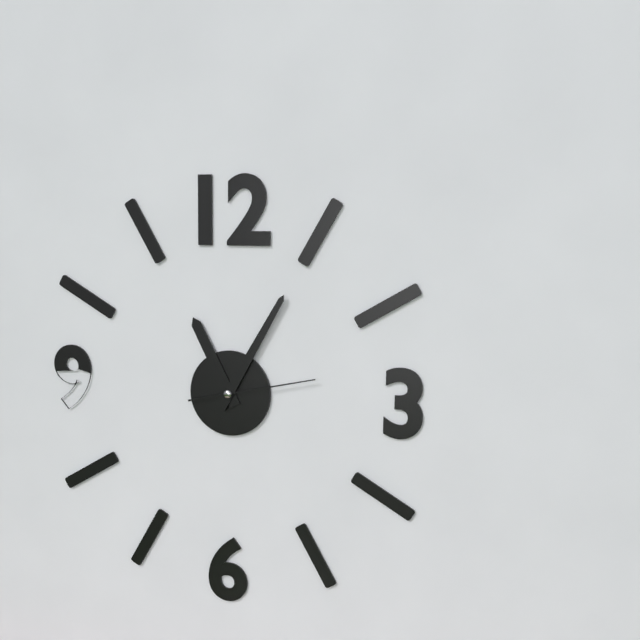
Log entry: 11,05,13
